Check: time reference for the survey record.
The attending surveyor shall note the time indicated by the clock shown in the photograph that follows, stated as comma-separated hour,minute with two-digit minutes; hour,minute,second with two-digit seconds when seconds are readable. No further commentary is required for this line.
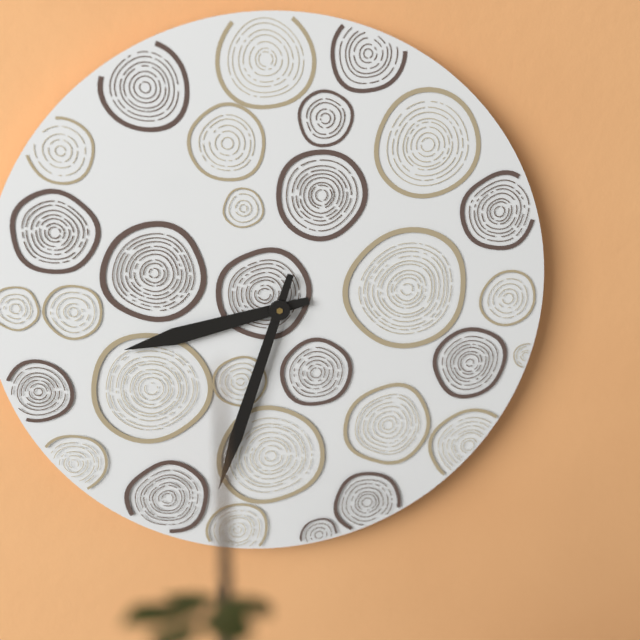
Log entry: 8,33
